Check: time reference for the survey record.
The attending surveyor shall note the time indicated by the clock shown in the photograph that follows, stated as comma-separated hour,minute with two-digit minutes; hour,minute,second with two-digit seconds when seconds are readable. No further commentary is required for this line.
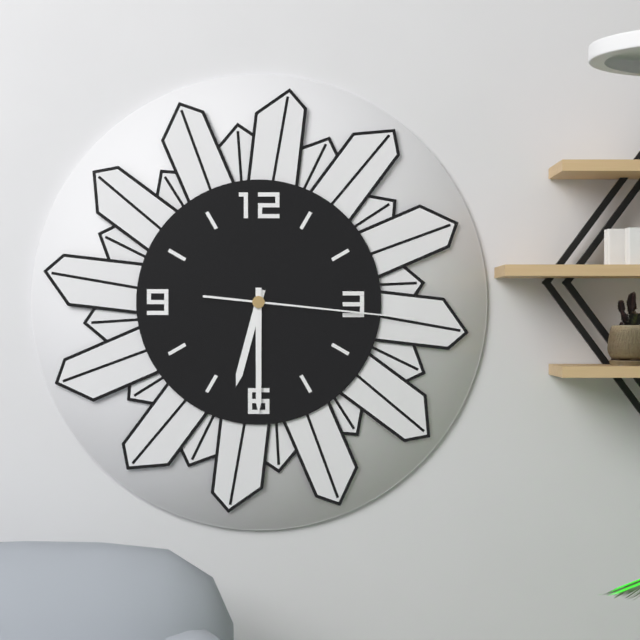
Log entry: 6,30,16
